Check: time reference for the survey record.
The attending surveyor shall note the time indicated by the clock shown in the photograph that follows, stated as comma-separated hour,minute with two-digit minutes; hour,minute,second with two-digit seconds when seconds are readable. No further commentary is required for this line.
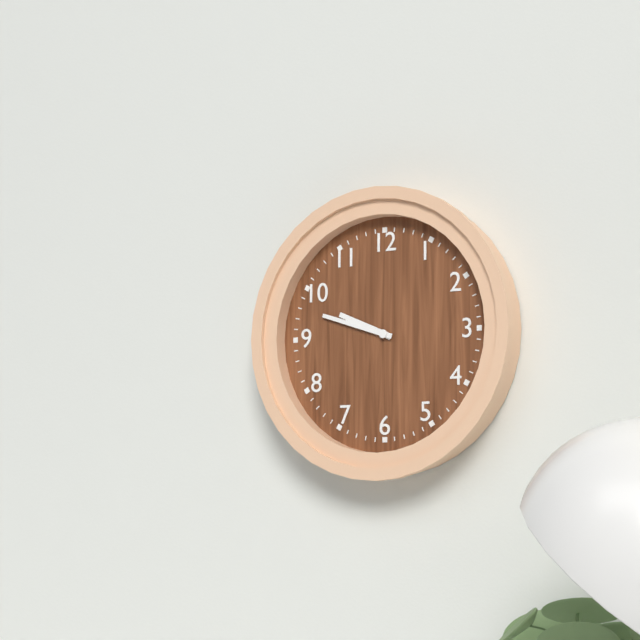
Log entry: 9,48
